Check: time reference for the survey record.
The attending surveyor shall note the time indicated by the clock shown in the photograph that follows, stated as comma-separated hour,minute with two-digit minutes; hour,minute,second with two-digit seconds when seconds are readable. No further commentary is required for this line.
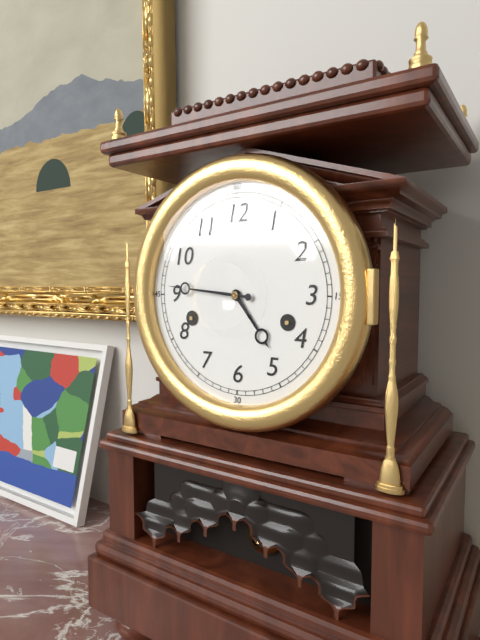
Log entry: 4,46
